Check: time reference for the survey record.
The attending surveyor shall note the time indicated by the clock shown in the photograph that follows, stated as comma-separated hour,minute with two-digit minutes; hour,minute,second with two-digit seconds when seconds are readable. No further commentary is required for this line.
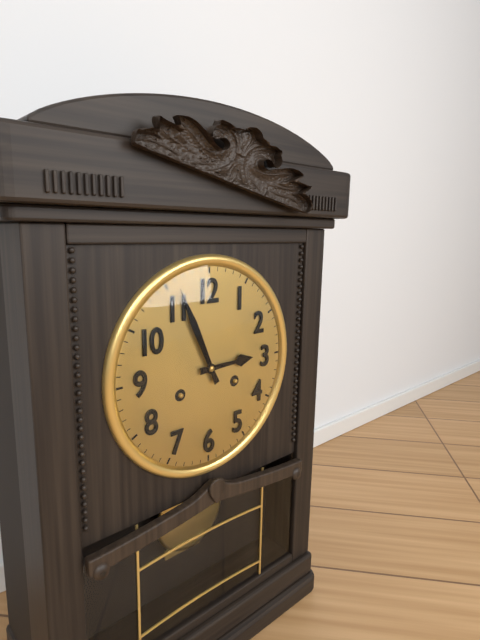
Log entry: 2,56
